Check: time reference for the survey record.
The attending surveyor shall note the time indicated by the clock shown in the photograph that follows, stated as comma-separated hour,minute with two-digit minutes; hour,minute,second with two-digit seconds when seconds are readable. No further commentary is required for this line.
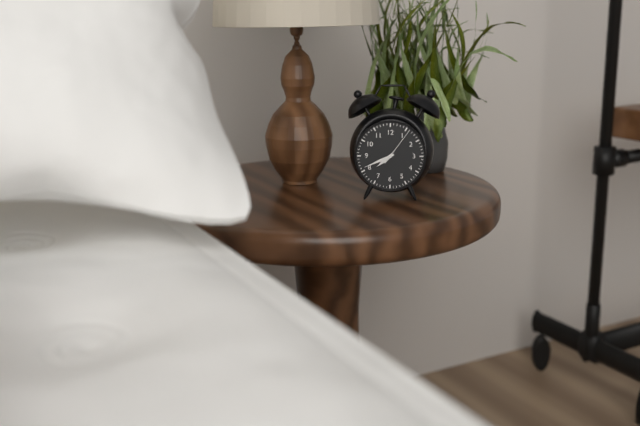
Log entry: 7,41
